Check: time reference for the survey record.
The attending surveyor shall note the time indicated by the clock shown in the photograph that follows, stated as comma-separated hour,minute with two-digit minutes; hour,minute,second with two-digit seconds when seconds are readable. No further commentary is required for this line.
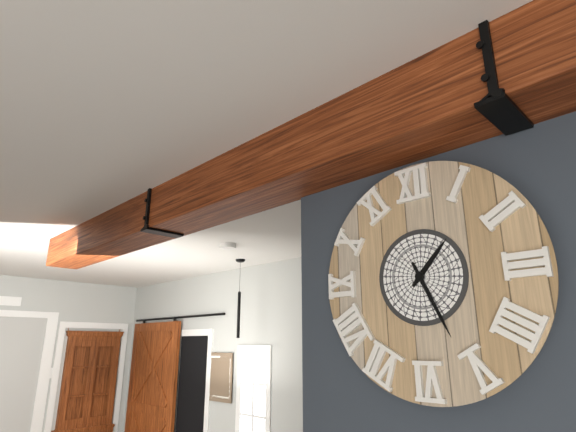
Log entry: 1,26
